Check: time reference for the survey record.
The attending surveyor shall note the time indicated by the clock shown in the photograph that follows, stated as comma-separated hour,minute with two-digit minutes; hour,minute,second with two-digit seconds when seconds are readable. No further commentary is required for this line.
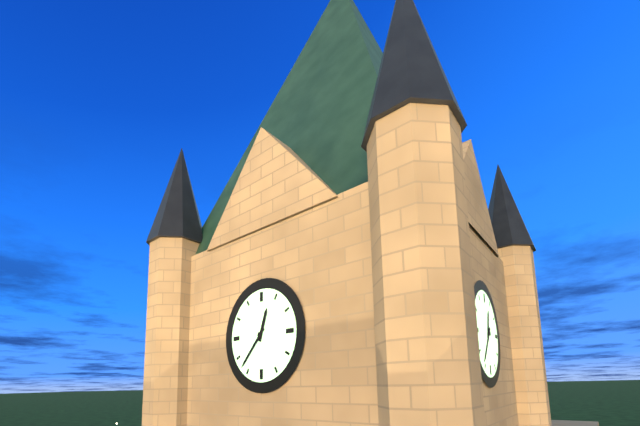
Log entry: 12,37
